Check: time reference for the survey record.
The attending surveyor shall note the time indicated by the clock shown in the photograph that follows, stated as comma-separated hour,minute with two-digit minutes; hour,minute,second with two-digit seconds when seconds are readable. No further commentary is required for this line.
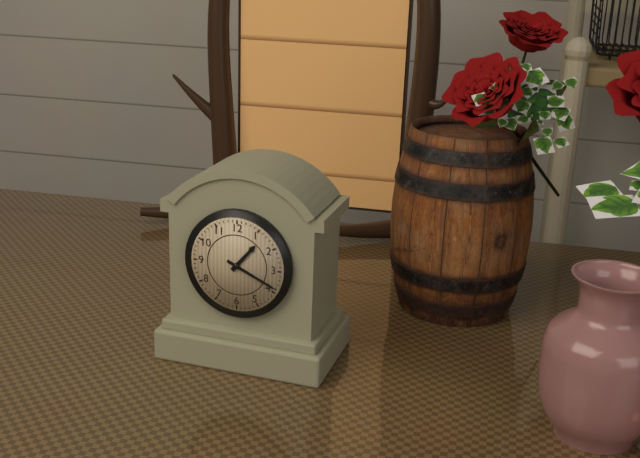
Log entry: 1,19
